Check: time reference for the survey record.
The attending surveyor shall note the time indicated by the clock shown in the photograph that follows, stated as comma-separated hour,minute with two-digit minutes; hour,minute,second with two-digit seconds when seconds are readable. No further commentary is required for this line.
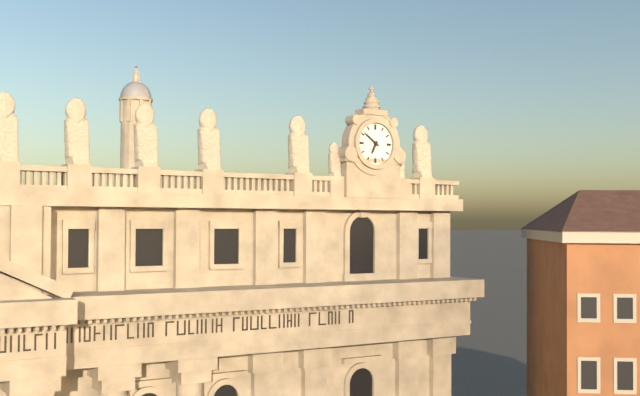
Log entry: 6,51
